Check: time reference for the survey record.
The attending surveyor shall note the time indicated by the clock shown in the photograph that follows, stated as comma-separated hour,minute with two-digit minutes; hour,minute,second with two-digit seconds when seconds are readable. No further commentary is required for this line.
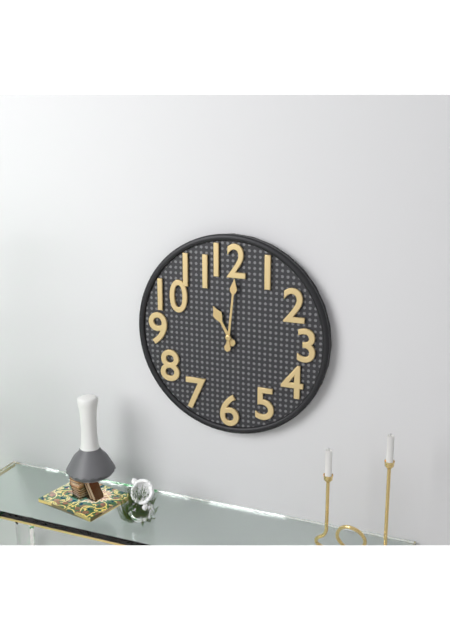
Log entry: 11,01
